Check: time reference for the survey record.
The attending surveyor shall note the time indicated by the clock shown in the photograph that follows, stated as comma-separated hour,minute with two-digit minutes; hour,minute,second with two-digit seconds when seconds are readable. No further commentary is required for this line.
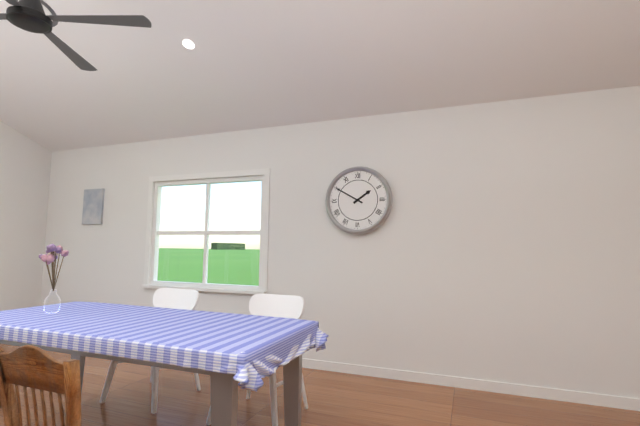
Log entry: 1,50
